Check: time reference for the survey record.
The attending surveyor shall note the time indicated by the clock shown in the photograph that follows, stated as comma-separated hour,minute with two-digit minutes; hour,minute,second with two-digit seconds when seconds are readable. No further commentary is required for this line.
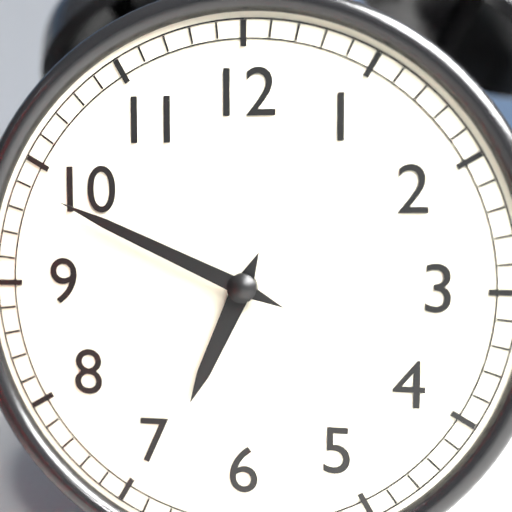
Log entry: 6,49
